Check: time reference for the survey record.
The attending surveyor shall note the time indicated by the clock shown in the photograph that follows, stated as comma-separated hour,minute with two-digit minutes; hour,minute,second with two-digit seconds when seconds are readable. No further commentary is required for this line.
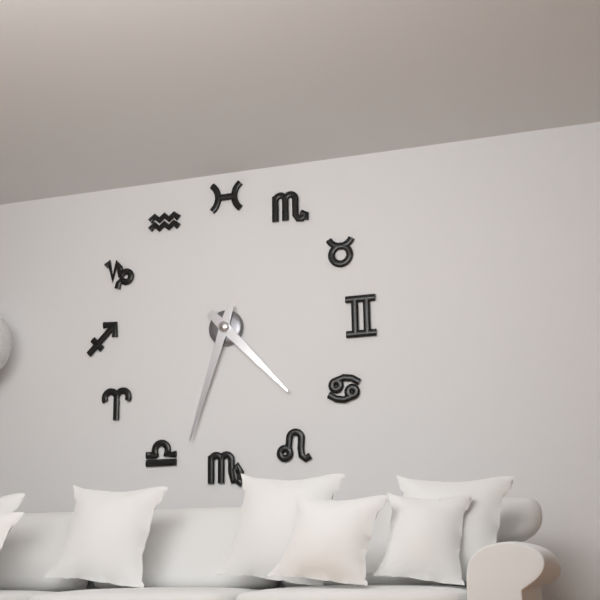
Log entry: 4,33
